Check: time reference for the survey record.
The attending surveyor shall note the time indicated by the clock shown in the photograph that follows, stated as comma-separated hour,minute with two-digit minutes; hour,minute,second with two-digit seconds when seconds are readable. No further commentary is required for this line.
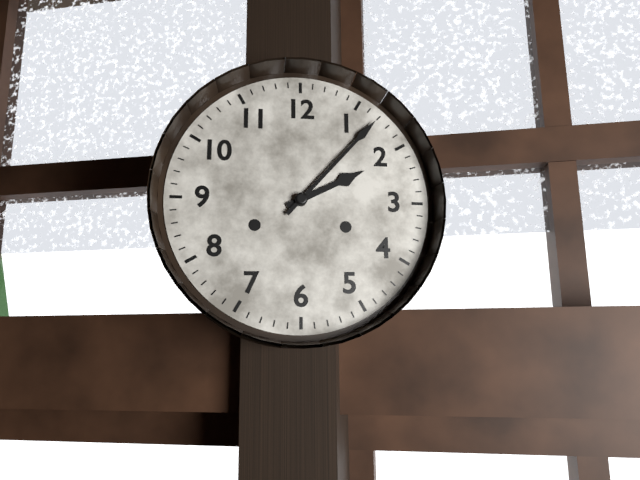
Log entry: 2,07
